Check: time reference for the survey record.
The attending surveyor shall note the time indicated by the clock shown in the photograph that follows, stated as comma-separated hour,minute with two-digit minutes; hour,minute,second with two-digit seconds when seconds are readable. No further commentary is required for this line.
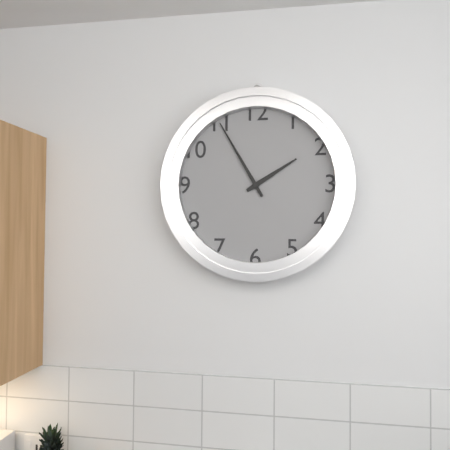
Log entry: 1,55
